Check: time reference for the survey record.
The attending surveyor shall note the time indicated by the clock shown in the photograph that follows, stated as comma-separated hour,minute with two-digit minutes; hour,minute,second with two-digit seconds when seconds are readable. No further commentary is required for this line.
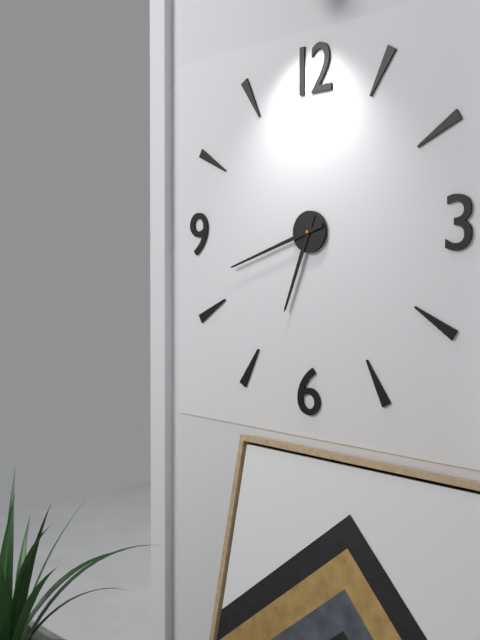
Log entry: 6,42
